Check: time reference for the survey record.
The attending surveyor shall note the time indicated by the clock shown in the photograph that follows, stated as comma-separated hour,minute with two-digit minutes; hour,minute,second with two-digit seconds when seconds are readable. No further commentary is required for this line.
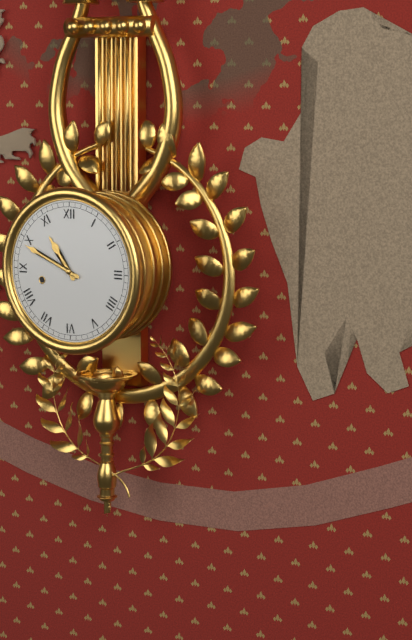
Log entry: 10,49
